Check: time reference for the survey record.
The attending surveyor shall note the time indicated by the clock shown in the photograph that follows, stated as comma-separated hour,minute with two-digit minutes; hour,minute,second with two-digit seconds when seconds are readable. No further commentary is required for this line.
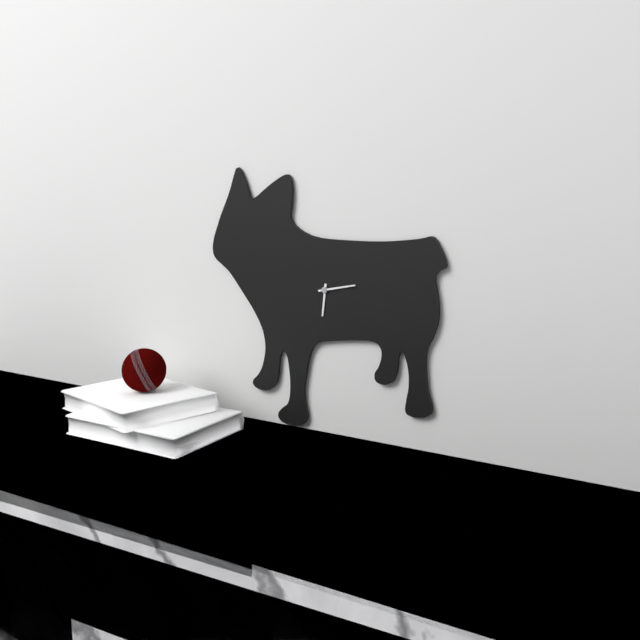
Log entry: 6,13
